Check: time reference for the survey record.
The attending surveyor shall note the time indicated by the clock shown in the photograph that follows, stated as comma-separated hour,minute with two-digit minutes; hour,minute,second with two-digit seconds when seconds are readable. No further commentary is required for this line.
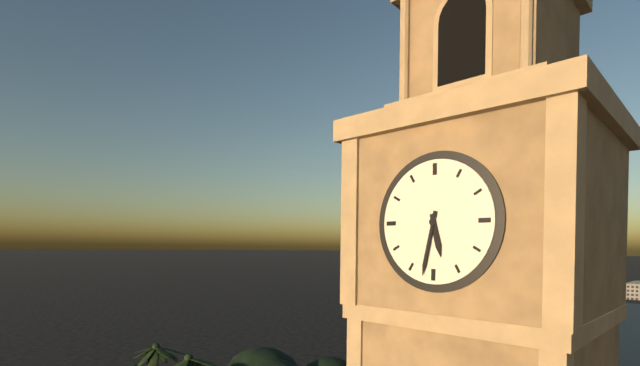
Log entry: 5,32
